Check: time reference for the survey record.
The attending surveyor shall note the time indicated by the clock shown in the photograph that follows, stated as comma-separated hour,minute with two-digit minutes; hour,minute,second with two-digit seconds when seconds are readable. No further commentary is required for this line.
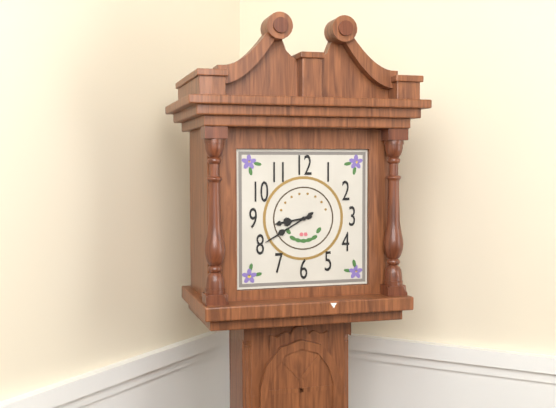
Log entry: 8,40
